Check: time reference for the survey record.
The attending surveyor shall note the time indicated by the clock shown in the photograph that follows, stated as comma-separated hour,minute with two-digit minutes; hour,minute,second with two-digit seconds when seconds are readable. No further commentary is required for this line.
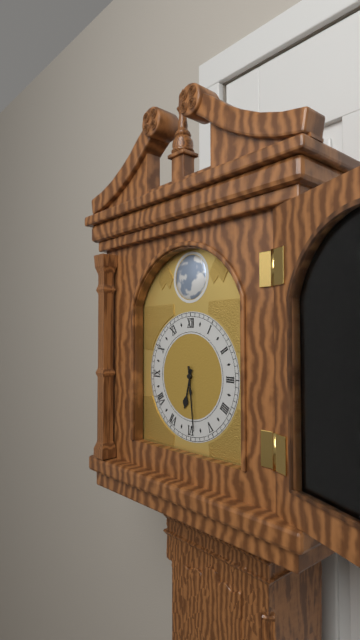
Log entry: 6,29
